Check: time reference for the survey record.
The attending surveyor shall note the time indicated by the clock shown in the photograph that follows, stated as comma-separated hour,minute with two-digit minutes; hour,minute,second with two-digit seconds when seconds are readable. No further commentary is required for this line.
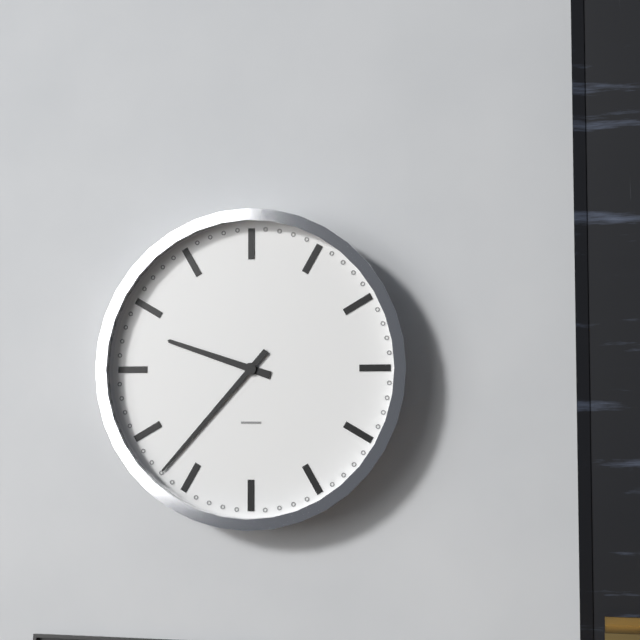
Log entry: 9,37
